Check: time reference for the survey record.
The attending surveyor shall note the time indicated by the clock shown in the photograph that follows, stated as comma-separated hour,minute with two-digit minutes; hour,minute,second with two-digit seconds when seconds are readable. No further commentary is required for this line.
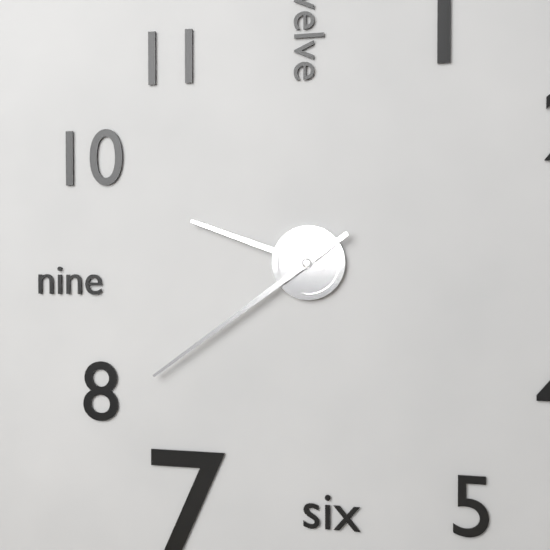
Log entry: 9,39
